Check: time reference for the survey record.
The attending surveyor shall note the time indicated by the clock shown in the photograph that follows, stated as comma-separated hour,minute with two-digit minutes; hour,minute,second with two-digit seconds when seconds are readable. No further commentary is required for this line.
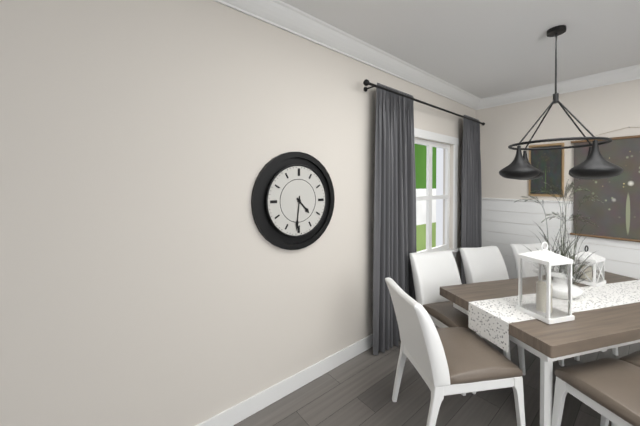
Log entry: 4,31
